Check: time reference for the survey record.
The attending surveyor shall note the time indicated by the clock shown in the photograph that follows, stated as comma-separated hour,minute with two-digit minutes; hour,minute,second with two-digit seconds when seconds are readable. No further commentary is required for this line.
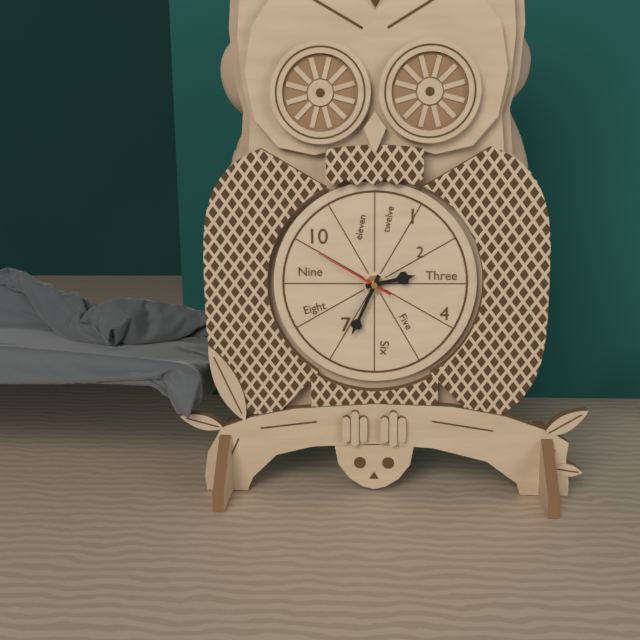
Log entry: 2,34,50
